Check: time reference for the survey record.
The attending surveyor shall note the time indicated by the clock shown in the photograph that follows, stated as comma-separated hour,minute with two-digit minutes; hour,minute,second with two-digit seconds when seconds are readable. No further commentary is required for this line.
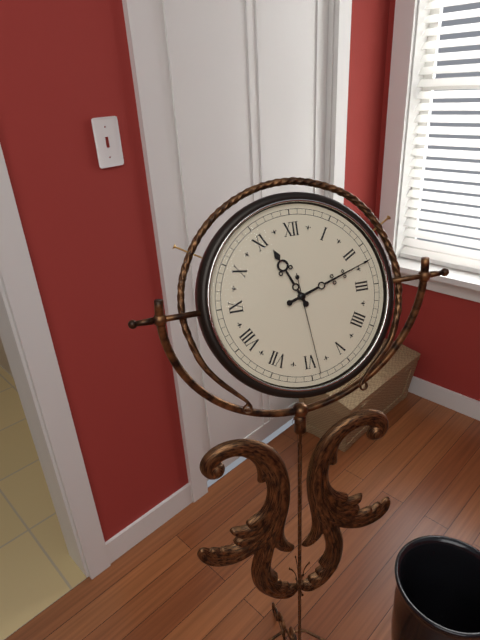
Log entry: 11,12,29
